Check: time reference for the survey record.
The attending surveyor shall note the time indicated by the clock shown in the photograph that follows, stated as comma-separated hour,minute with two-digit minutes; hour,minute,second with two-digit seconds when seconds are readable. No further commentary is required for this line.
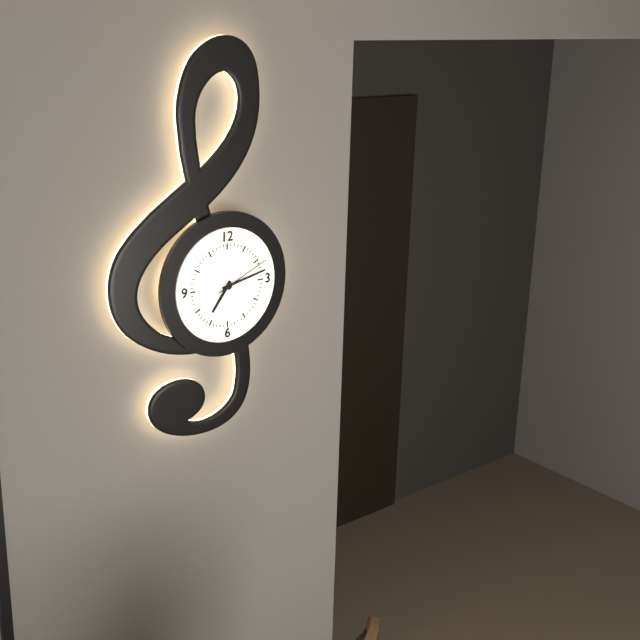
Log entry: 7,13,11
